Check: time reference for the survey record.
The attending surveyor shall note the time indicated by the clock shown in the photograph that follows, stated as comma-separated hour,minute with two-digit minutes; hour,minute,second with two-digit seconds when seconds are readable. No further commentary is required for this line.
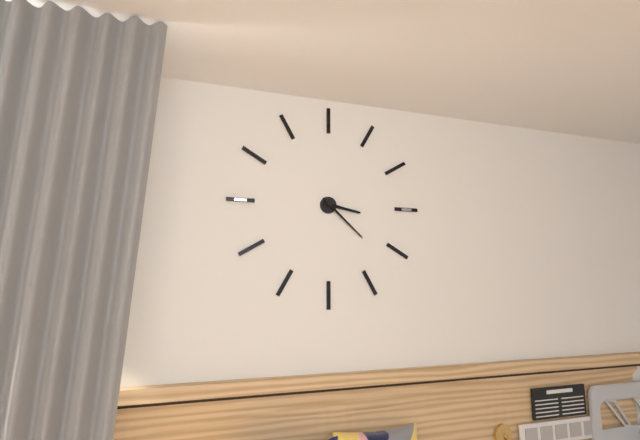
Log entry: 3,22
